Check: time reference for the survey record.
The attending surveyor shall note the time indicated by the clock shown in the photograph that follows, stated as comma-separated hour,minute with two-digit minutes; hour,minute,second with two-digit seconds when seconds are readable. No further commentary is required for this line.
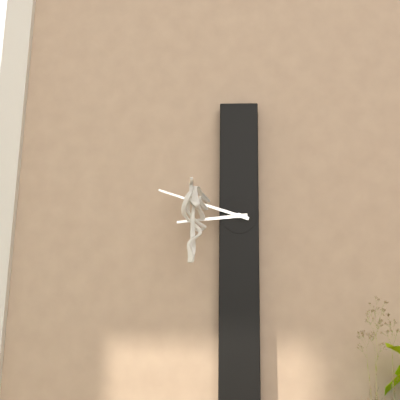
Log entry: 8,48
